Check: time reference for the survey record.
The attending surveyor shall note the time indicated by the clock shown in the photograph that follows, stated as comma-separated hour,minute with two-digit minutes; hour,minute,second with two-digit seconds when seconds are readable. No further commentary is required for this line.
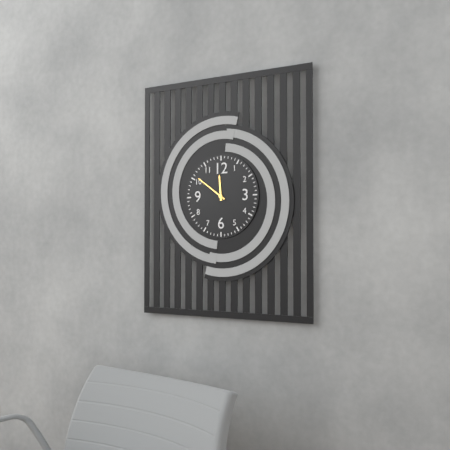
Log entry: 11,51
